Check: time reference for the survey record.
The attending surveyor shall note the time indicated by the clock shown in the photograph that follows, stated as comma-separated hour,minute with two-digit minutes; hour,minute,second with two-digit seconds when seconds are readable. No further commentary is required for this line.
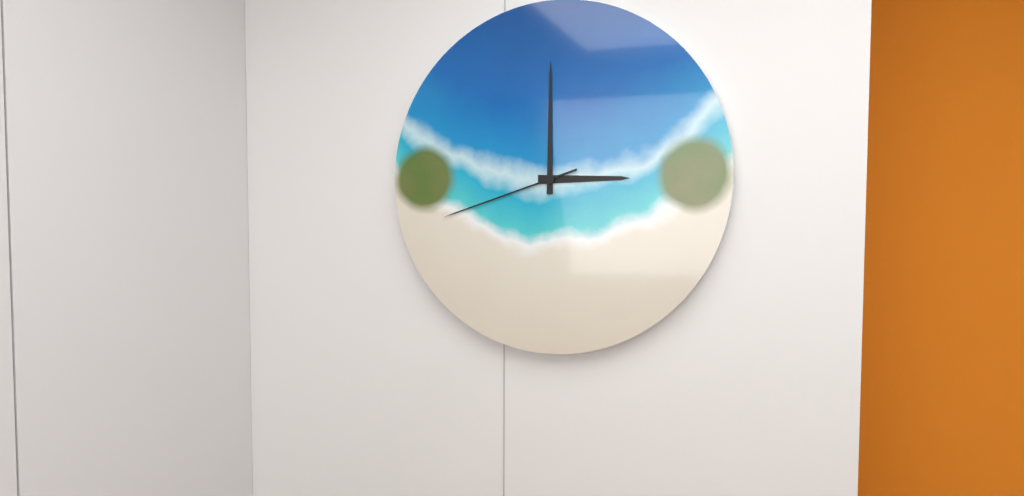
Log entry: 3,00,42
